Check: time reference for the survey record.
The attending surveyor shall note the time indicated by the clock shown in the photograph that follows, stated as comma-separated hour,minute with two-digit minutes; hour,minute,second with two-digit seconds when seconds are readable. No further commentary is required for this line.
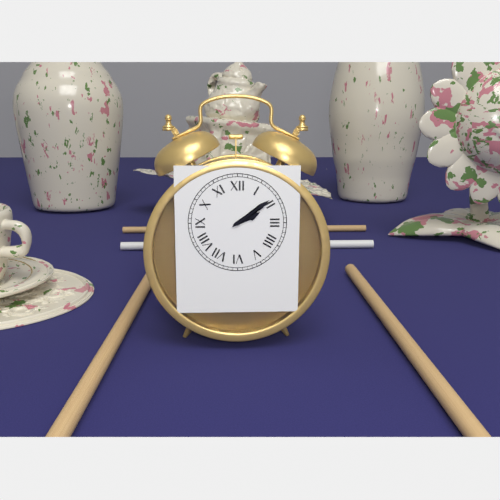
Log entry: 2,09
